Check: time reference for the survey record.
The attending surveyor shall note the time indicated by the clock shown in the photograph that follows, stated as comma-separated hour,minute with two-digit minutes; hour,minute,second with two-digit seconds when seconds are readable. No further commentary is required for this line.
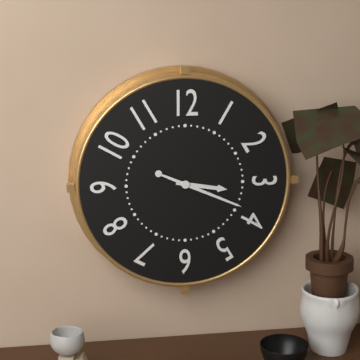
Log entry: 3,19
